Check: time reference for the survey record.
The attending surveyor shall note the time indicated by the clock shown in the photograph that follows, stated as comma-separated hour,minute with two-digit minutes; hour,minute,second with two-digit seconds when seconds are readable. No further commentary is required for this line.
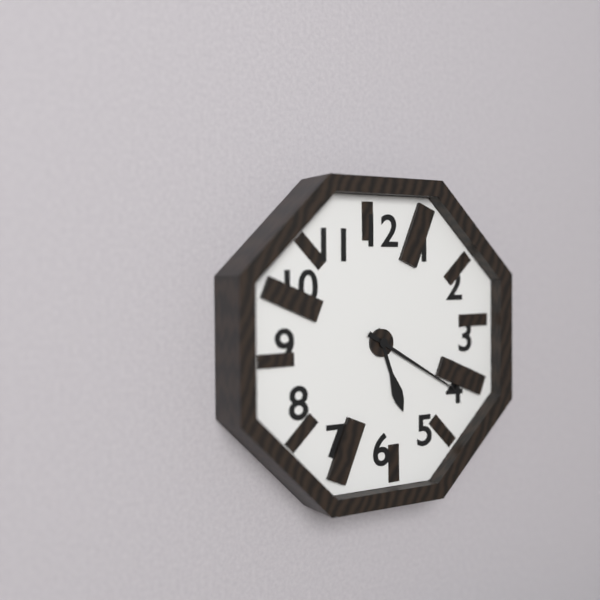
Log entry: 5,20
